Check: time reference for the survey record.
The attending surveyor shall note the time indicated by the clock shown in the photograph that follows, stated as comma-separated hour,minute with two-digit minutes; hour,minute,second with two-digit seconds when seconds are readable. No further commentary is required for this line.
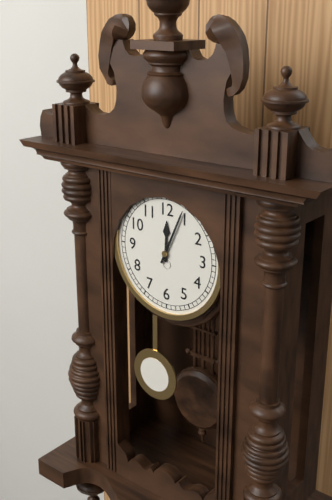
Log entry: 12,04
